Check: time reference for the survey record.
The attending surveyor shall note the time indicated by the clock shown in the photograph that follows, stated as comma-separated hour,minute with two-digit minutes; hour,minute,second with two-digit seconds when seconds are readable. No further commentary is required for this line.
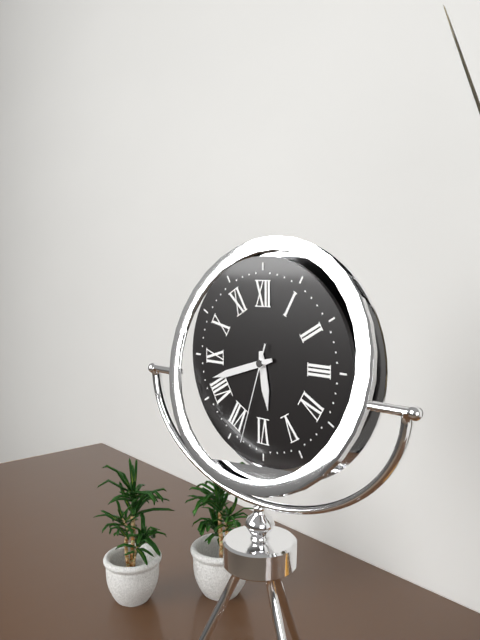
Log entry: 5,42,33
